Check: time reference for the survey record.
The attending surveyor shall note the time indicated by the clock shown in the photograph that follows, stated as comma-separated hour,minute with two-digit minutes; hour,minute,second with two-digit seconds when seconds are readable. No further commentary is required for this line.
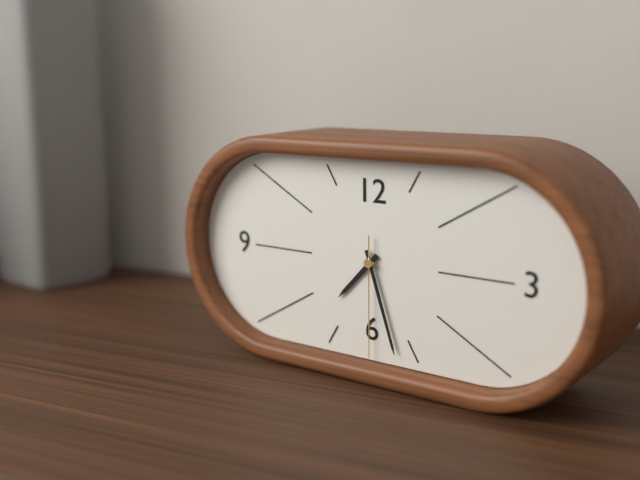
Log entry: 7,27,30
